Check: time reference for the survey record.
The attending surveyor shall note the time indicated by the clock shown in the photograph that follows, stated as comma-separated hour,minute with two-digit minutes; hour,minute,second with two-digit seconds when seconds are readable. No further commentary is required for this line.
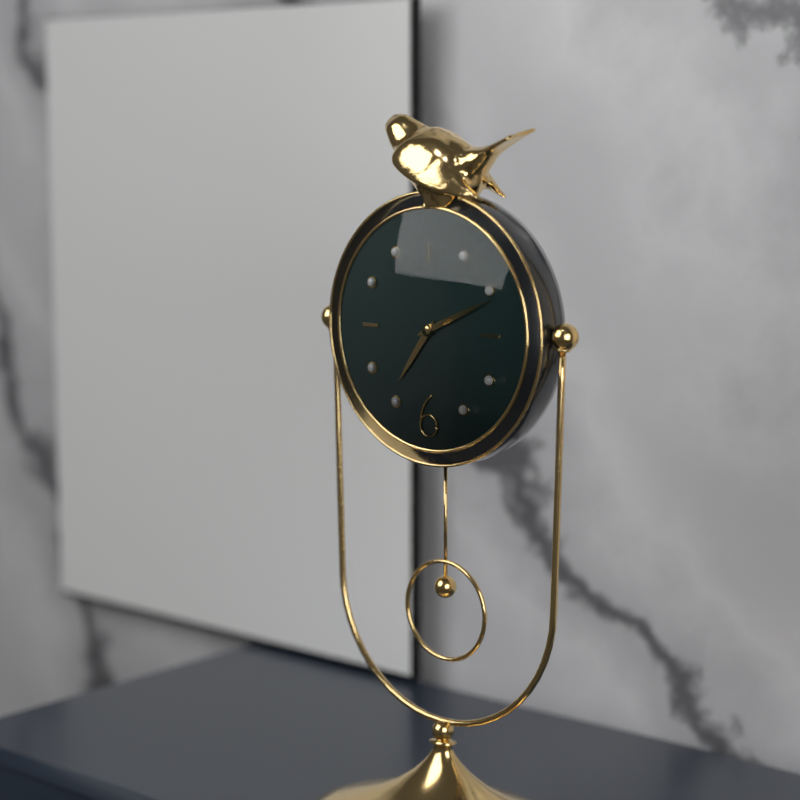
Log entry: 7,11
